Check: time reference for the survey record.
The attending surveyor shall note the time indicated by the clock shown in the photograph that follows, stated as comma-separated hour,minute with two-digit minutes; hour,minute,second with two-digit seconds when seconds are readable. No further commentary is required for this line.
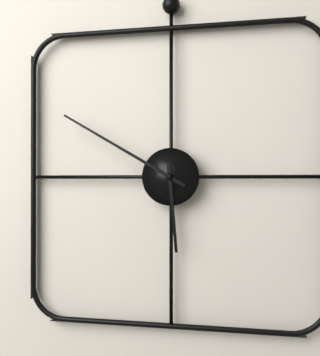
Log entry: 5,50
